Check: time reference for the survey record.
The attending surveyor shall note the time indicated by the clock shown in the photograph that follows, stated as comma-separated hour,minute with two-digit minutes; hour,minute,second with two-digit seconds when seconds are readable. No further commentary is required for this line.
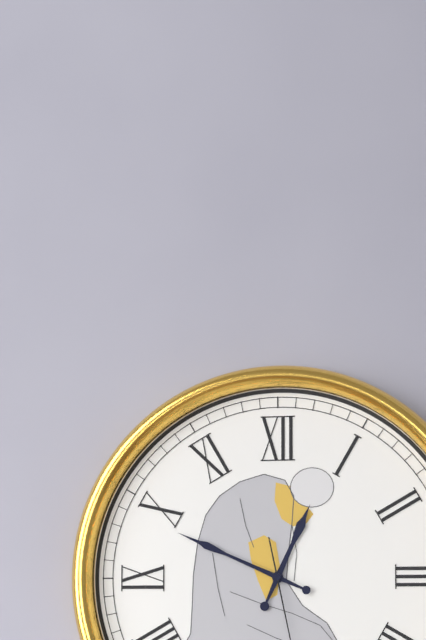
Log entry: 12,49
